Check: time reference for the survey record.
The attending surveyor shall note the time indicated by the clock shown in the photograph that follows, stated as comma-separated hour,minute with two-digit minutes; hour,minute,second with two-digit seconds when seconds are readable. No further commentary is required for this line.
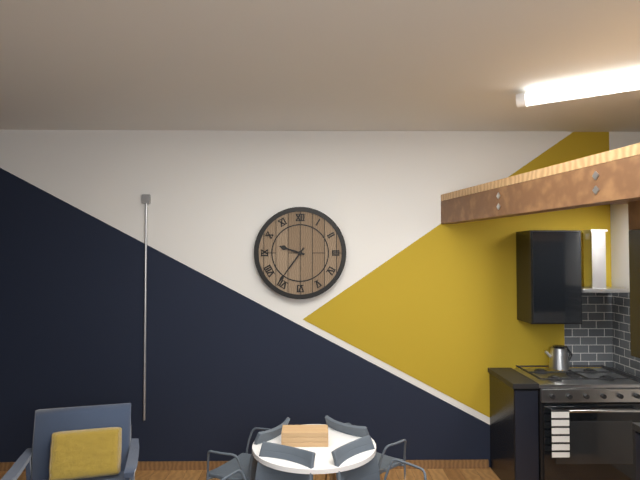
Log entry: 9,36
